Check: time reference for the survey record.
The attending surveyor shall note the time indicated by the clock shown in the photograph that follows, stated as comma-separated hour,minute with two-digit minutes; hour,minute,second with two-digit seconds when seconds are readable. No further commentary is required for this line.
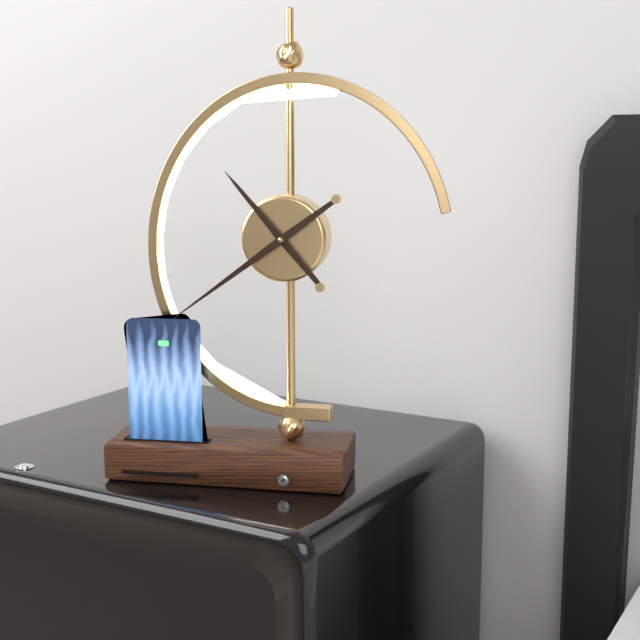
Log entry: 10,39
